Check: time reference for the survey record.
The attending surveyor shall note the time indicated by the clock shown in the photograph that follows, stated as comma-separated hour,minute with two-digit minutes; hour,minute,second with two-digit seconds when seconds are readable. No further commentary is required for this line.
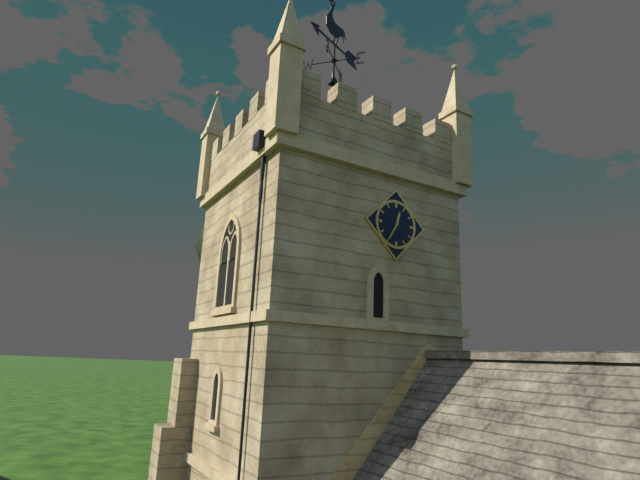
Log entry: 12,35
